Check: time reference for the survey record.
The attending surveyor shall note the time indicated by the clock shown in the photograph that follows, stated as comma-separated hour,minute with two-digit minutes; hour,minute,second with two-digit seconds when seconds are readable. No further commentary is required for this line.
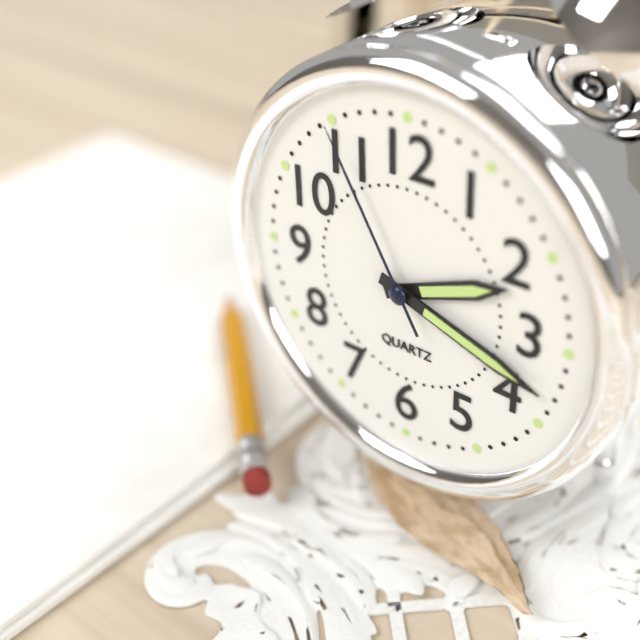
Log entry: 2,18,55
